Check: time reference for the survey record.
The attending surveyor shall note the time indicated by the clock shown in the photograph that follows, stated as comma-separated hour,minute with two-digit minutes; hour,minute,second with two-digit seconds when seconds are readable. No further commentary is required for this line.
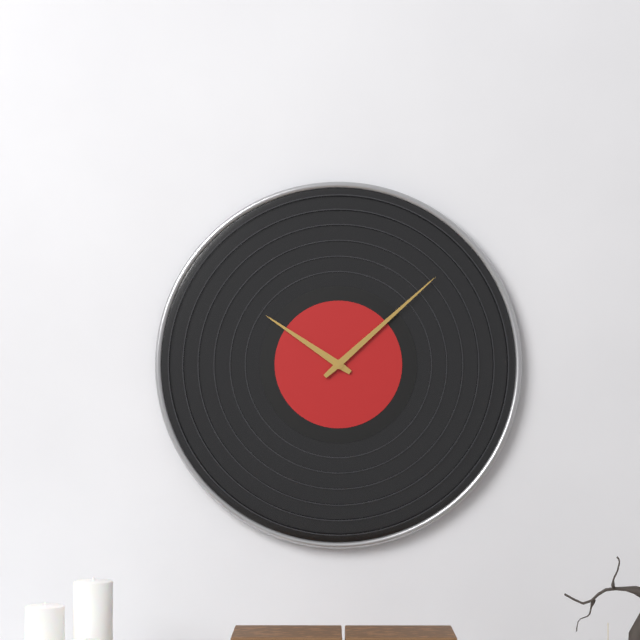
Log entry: 10,08
